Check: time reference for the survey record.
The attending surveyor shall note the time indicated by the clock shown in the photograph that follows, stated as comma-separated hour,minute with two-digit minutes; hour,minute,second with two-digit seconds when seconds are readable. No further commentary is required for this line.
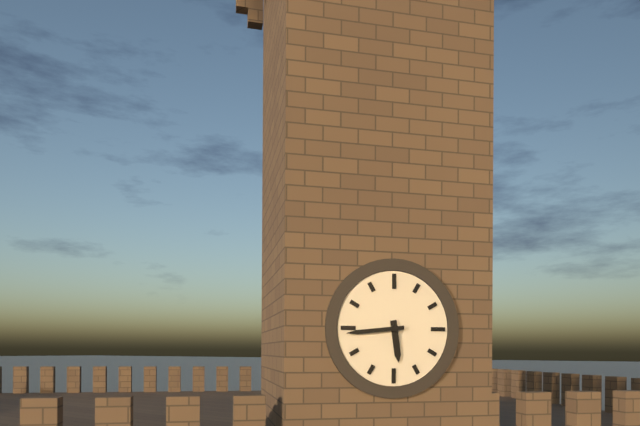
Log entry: 5,44
